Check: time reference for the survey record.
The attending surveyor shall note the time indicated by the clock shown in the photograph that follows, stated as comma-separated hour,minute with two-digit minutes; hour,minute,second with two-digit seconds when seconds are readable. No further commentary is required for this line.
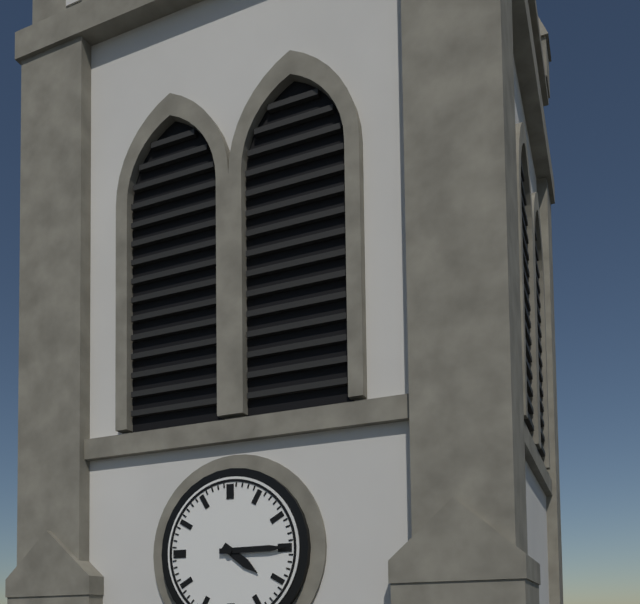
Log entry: 4,15
